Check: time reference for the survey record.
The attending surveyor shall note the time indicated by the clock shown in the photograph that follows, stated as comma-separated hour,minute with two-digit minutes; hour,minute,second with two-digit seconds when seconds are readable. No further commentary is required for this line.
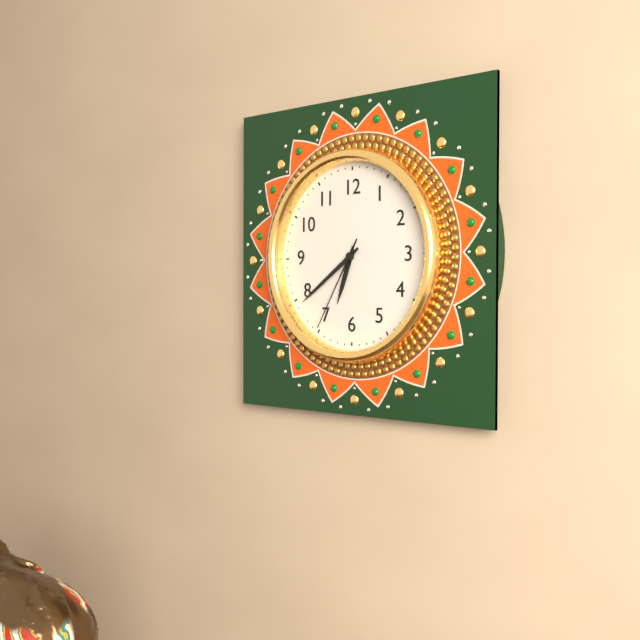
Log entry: 6,39,35
